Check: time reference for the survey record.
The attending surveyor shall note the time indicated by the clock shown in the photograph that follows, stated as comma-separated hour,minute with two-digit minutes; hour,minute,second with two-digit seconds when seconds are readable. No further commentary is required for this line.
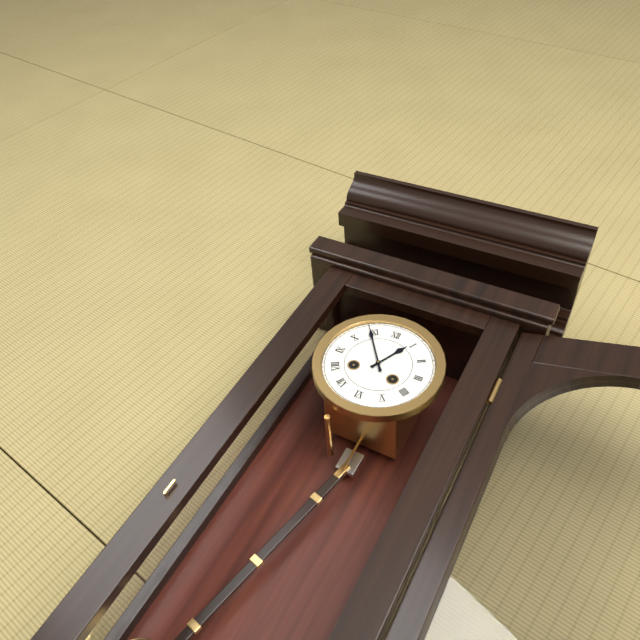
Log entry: 12,54
